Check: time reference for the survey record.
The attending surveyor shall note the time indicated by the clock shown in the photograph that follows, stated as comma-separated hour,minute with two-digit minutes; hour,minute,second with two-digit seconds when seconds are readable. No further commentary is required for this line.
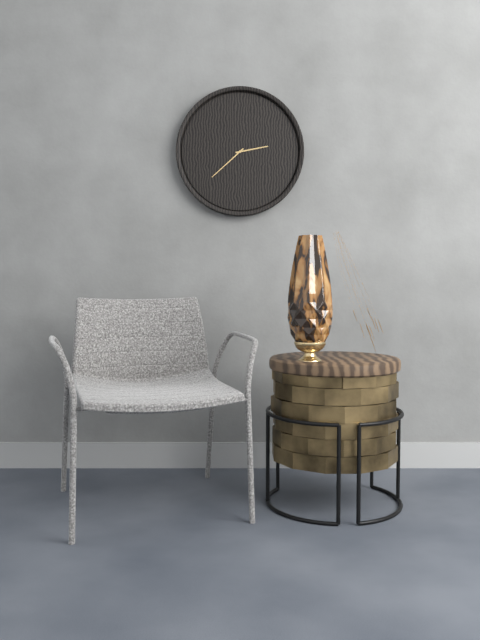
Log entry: 2,38
